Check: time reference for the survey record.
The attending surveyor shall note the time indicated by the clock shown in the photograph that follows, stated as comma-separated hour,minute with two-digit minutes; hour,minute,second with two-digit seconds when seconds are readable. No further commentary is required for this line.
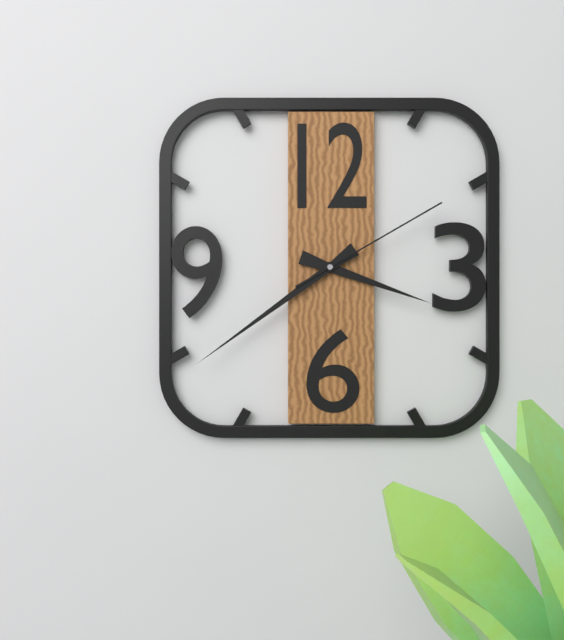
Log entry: 3,39,10
